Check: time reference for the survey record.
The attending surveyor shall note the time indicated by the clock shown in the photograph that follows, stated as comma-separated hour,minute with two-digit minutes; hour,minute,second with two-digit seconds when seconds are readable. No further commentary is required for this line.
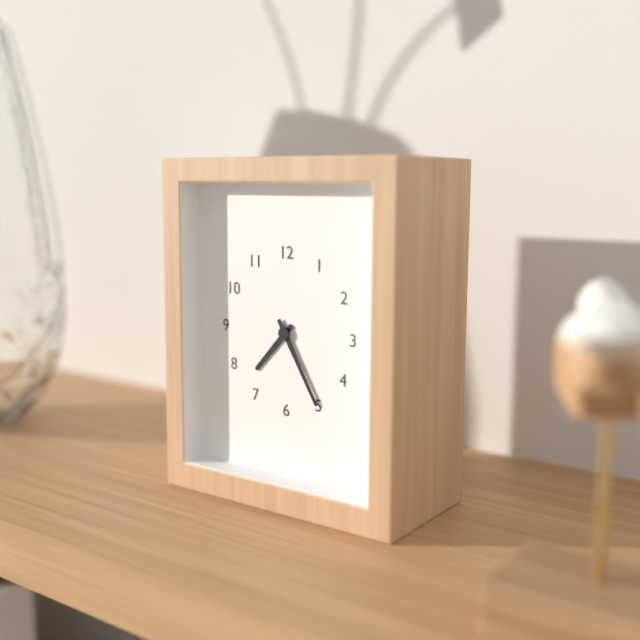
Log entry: 7,25
